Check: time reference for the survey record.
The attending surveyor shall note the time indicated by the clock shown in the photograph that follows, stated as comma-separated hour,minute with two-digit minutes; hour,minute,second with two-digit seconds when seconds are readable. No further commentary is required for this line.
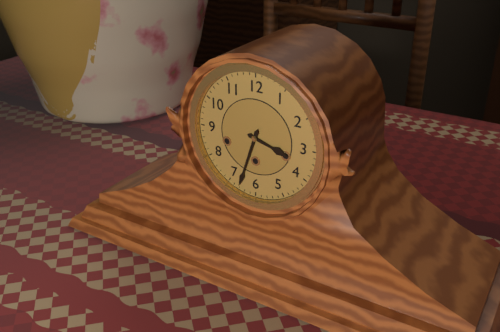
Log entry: 3,33
